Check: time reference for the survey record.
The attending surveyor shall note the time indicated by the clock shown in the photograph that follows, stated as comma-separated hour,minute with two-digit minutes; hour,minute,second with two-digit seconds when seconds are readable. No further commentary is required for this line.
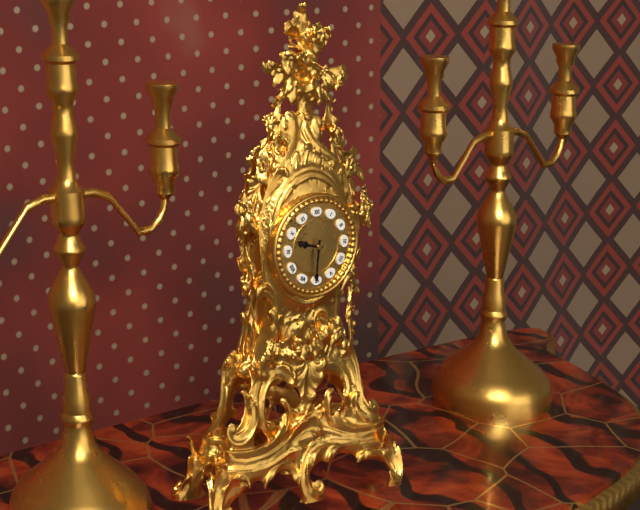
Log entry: 9,31
